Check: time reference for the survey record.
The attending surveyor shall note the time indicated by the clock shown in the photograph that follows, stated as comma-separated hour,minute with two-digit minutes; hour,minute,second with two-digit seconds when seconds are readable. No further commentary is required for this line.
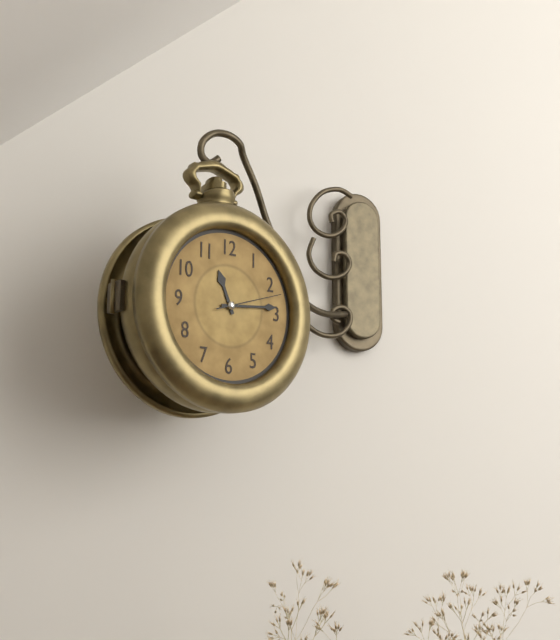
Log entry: 11,14,12
